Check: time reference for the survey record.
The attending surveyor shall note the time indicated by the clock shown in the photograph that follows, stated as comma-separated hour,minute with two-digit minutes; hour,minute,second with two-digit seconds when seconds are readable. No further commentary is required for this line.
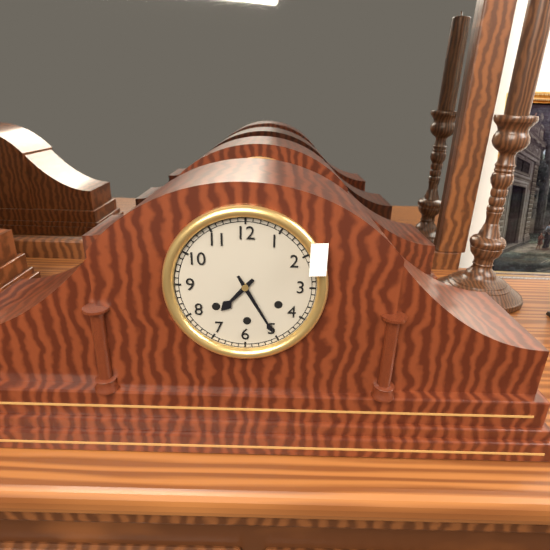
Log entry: 7,25
